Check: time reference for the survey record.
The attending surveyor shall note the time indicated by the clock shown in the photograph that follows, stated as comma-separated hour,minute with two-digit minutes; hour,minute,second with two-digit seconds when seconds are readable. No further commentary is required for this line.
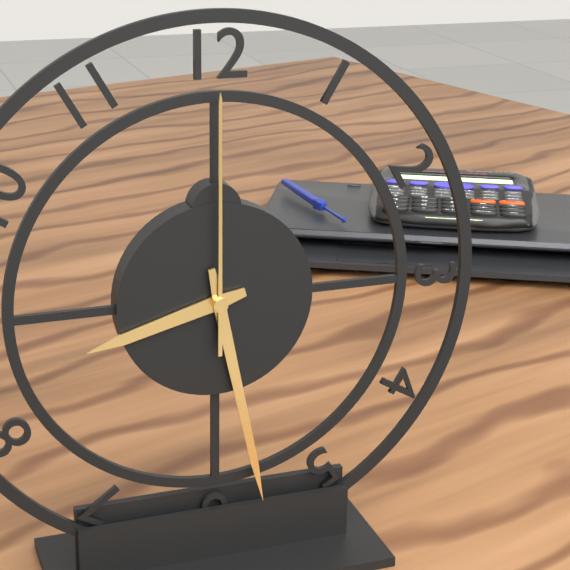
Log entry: 8,28,00
